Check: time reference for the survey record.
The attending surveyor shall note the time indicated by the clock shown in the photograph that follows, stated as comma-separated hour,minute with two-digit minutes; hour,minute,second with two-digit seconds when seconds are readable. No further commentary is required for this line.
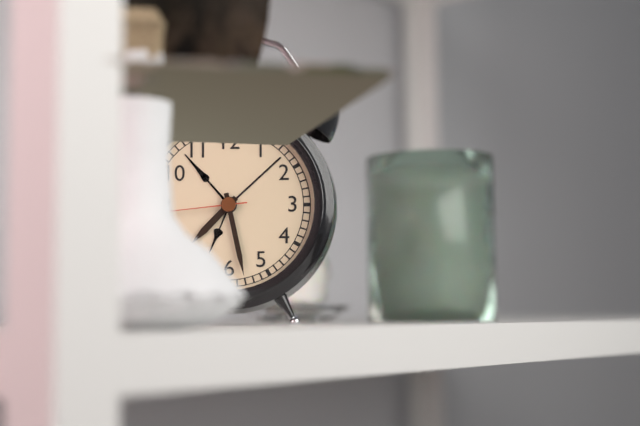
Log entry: 7,28,44
